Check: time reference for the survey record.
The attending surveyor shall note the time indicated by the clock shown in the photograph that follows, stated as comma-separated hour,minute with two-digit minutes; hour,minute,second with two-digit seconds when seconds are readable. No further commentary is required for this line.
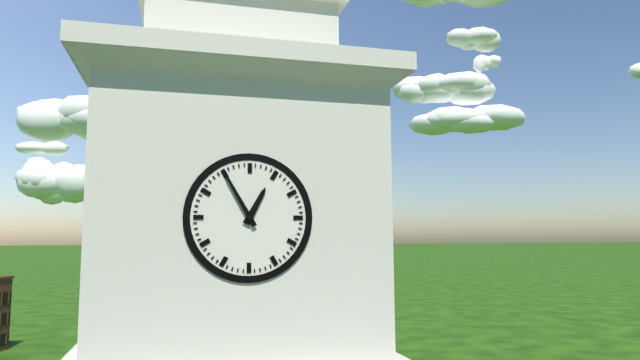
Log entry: 12,55
